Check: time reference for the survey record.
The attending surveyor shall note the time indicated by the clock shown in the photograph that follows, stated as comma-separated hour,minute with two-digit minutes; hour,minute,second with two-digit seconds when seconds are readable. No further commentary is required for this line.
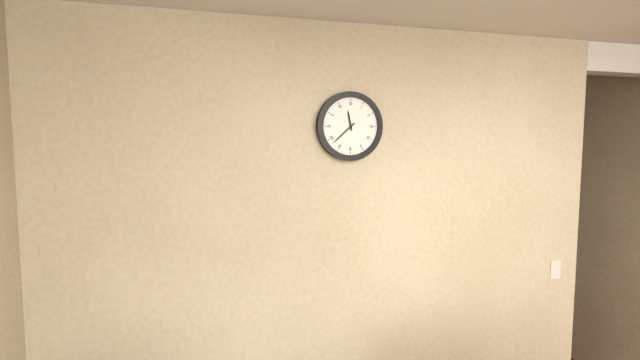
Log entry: 11,38
